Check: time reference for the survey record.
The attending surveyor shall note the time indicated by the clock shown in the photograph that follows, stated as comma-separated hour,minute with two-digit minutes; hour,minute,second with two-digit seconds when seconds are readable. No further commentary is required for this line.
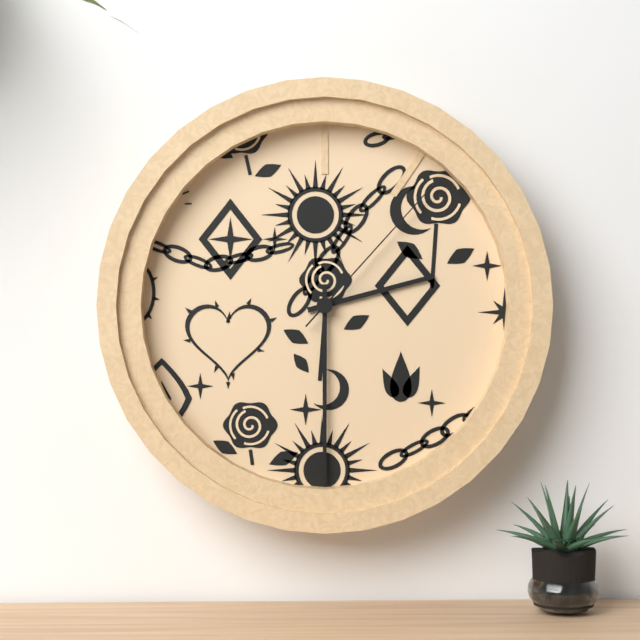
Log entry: 2,30,07
